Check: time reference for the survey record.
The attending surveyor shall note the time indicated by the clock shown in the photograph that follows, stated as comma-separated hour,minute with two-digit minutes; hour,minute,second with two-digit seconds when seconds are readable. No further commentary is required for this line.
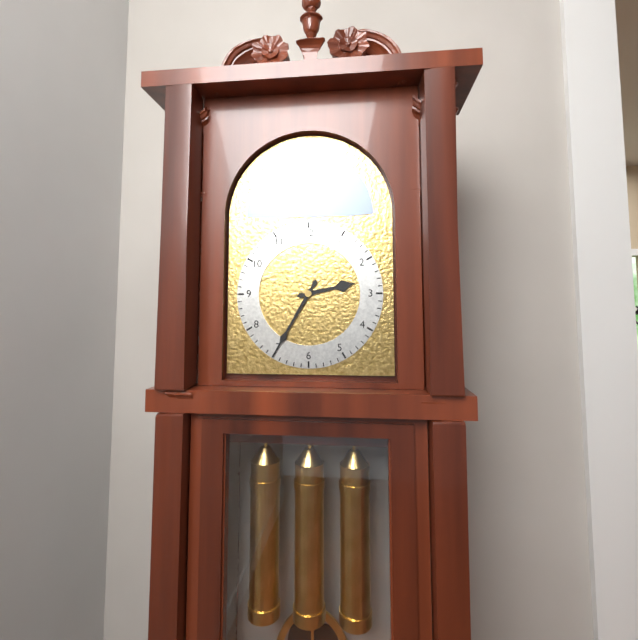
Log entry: 2,35
